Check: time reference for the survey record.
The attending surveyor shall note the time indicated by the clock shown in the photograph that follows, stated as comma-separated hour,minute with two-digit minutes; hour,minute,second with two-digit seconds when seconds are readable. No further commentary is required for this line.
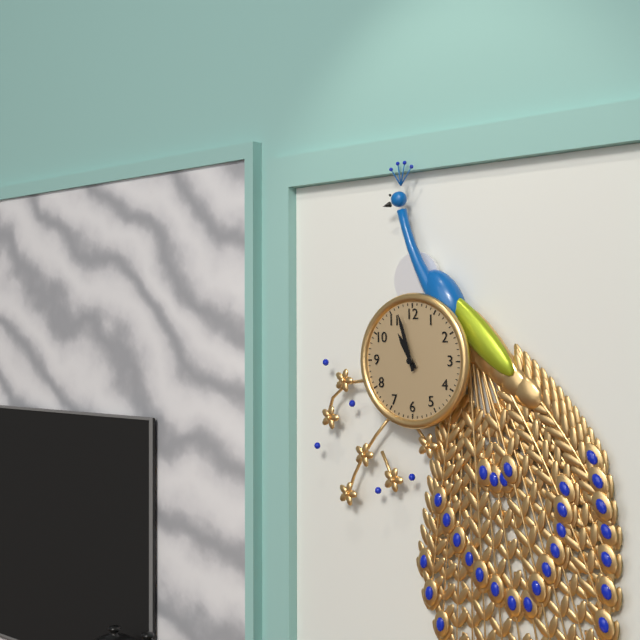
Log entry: 10,57
